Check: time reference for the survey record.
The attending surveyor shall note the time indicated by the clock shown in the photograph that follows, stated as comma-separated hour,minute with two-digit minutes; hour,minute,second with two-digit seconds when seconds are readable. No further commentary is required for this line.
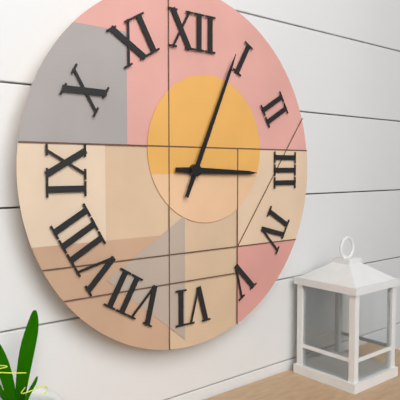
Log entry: 3,04
